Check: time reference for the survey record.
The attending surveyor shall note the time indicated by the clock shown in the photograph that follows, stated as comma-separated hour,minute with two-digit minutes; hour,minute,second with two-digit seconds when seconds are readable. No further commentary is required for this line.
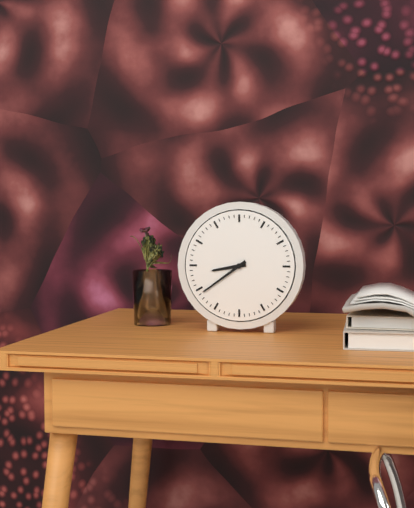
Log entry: 8,39
